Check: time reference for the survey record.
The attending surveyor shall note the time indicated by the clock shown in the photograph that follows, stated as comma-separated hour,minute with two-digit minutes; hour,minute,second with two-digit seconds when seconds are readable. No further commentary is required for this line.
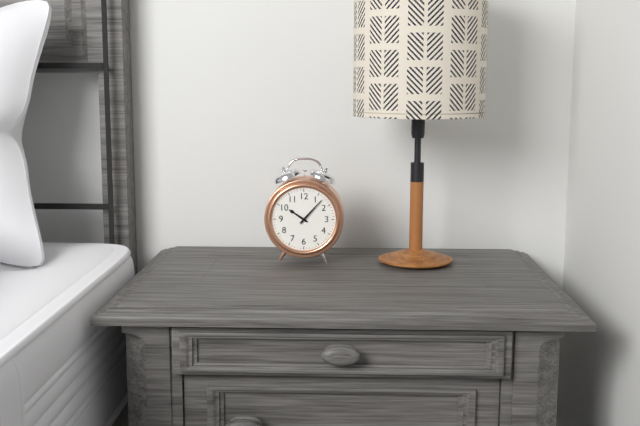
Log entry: 10,07
